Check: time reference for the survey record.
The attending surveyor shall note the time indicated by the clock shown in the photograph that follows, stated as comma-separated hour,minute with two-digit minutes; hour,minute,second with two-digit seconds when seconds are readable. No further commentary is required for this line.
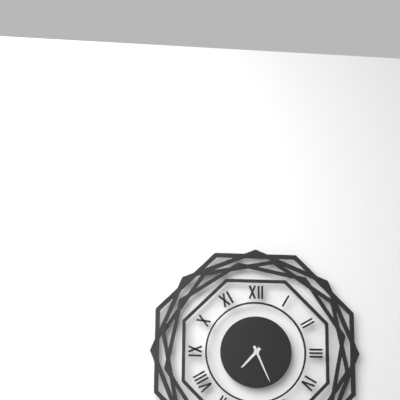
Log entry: 7,26
